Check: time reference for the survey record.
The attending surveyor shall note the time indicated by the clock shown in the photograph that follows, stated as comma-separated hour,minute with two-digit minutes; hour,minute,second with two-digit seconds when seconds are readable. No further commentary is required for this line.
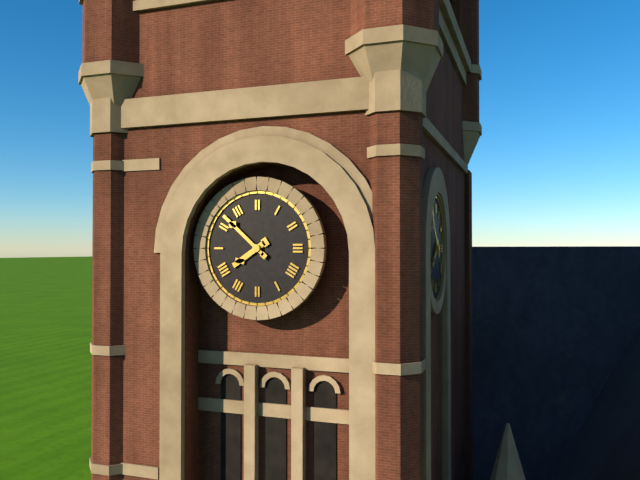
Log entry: 7,52
